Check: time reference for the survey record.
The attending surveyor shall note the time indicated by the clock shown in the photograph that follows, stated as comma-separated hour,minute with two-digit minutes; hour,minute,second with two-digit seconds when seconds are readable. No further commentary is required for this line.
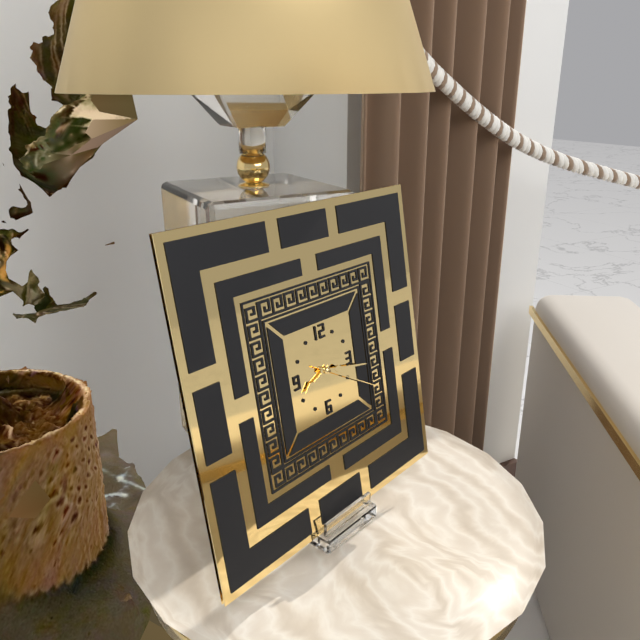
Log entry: 8,17,20
